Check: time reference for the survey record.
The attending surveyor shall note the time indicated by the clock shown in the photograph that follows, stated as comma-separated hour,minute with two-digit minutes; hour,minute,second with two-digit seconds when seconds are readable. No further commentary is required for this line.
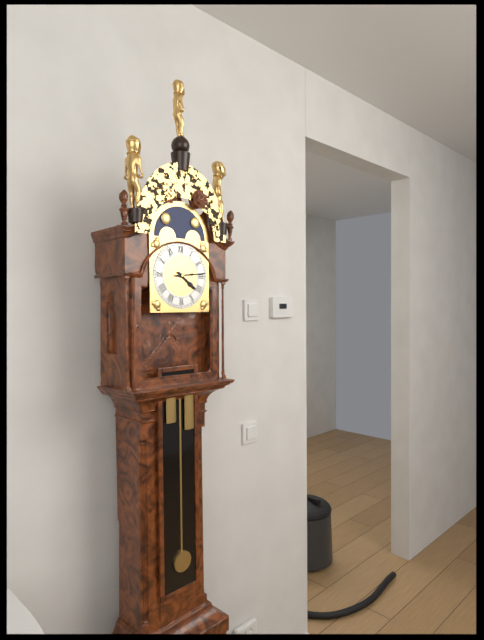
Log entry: 4,14
